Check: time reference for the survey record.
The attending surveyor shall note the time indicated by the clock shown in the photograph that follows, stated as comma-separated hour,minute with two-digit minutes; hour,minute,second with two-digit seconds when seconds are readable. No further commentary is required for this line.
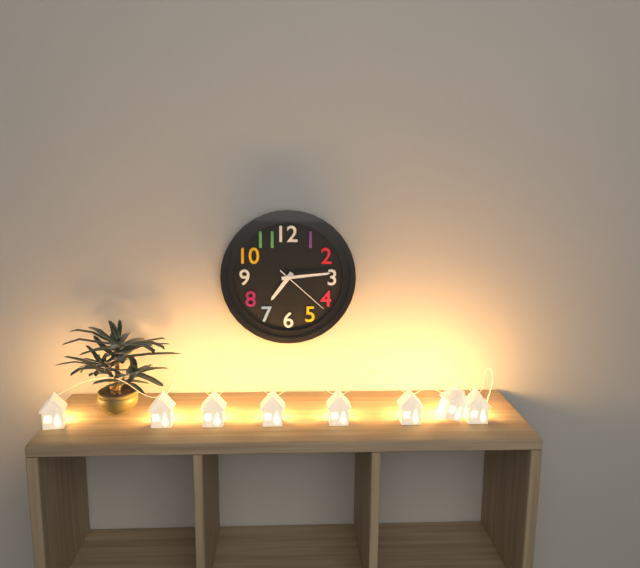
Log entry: 7,14,22
